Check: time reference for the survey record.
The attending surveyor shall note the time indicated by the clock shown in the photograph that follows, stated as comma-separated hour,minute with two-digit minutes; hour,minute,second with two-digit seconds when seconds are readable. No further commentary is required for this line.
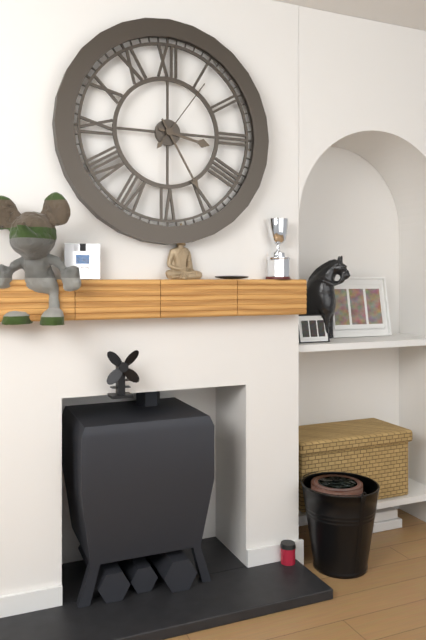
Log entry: 3,25,06
